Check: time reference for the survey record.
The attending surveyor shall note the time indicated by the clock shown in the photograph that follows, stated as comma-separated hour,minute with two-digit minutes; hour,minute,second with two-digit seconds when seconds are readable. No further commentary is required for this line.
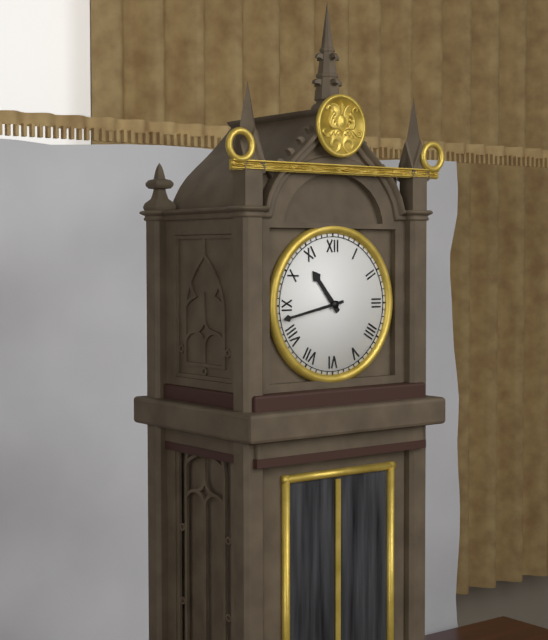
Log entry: 10,43
